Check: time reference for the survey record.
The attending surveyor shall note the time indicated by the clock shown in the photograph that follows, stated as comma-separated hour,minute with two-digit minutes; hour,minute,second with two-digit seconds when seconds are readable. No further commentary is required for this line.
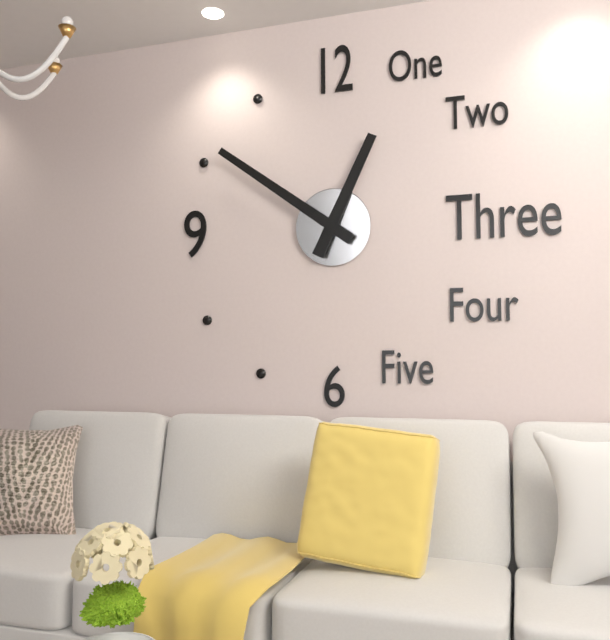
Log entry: 12,51
